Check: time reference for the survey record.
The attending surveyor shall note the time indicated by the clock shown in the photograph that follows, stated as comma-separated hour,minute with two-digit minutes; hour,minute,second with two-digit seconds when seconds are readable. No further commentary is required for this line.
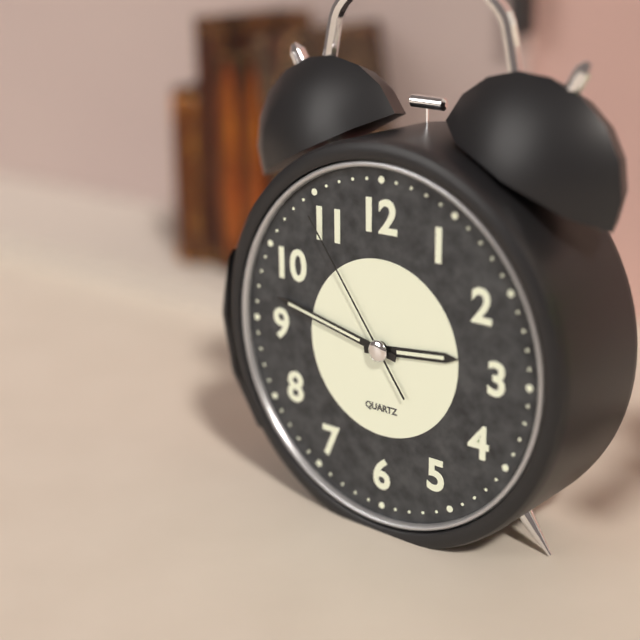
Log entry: 2,47,54
